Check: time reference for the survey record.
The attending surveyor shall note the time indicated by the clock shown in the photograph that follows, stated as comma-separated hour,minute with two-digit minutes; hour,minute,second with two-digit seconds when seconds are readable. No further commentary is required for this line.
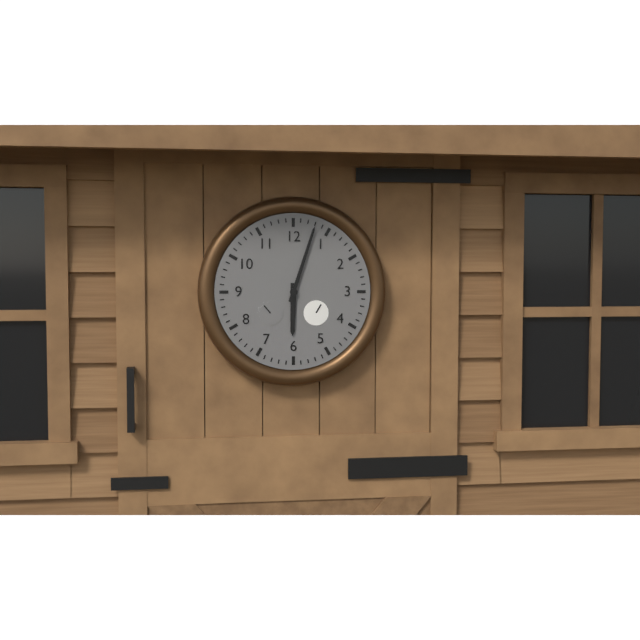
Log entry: 6,03
